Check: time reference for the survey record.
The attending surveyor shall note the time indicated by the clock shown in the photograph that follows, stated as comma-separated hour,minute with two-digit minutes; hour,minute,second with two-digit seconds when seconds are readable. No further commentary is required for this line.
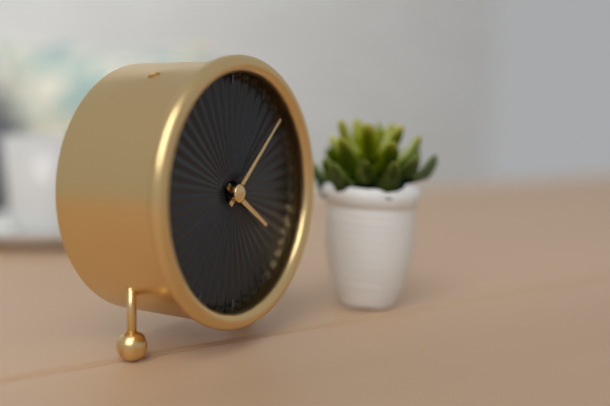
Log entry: 4,08
